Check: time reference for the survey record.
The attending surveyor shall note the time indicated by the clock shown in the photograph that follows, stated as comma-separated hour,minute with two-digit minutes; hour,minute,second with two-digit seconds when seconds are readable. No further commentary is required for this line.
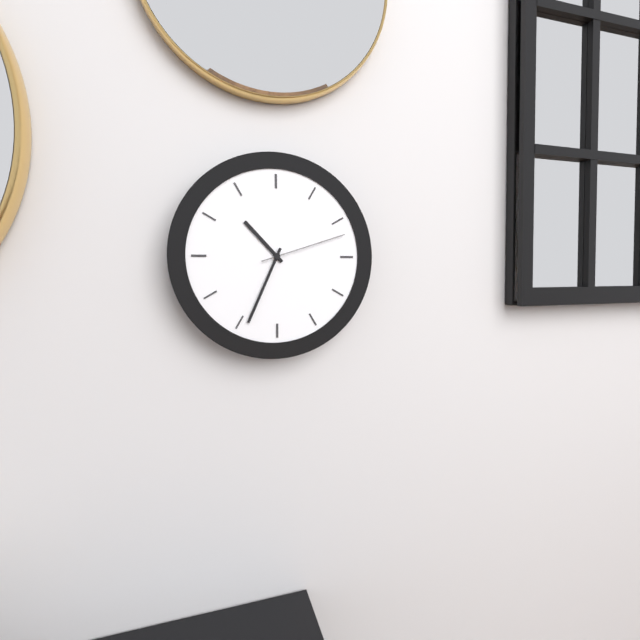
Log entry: 10,34,12
